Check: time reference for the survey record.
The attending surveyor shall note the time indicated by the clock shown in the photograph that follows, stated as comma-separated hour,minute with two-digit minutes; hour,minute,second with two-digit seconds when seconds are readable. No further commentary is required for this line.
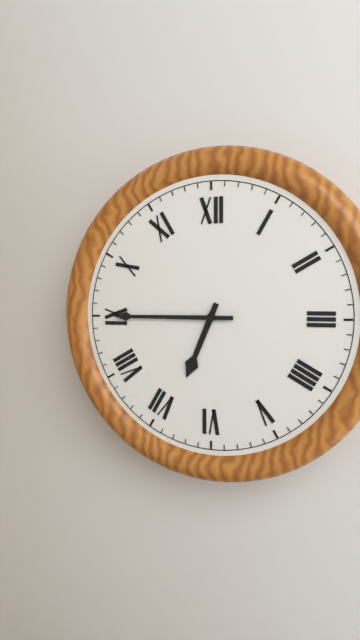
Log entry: 6,45
